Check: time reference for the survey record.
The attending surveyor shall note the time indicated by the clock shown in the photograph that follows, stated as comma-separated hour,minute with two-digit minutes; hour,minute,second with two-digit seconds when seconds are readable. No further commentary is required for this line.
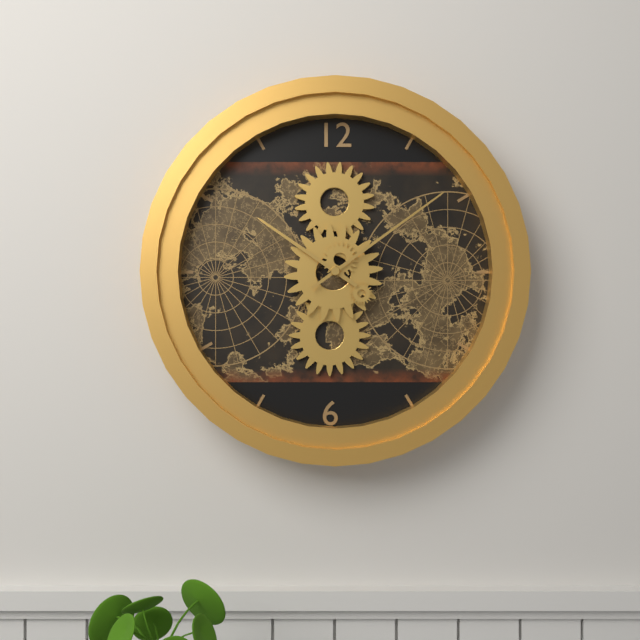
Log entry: 10,09
